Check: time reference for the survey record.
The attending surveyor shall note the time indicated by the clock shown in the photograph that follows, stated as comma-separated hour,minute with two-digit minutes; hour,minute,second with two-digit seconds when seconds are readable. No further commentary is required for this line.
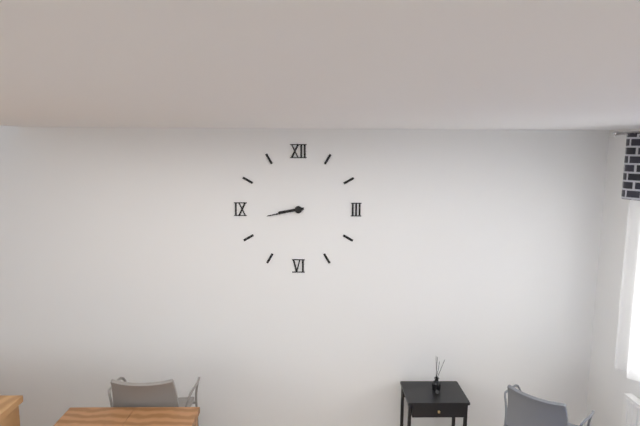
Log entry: 8,43
